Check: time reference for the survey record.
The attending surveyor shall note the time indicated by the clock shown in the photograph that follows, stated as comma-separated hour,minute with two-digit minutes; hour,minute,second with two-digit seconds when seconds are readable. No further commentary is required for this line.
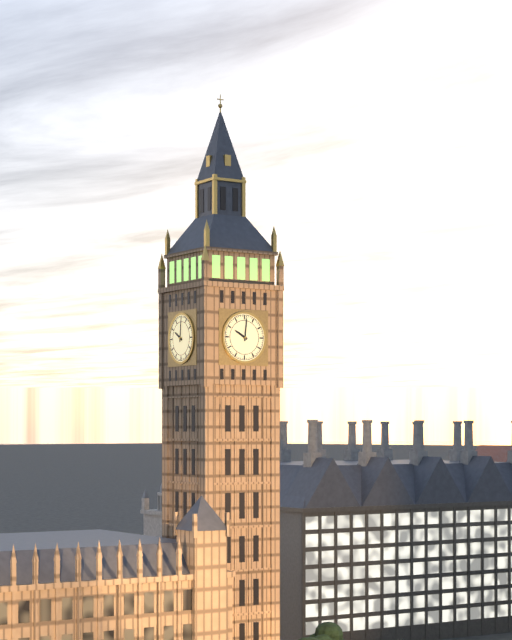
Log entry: 10,01
